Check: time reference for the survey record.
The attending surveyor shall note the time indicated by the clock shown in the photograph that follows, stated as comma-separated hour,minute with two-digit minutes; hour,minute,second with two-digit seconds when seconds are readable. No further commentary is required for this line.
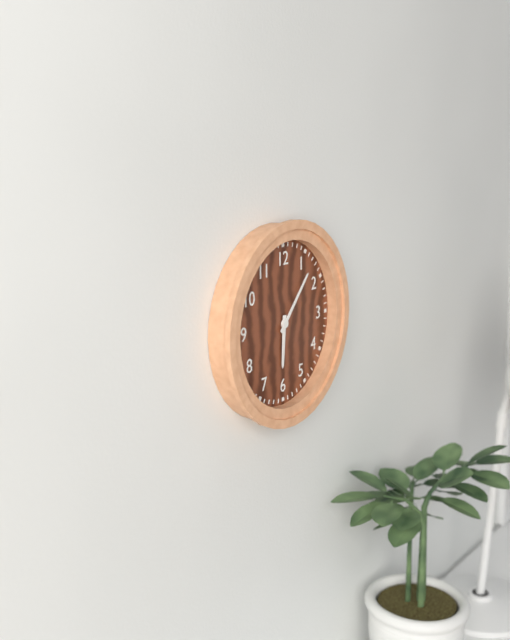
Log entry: 6,07
